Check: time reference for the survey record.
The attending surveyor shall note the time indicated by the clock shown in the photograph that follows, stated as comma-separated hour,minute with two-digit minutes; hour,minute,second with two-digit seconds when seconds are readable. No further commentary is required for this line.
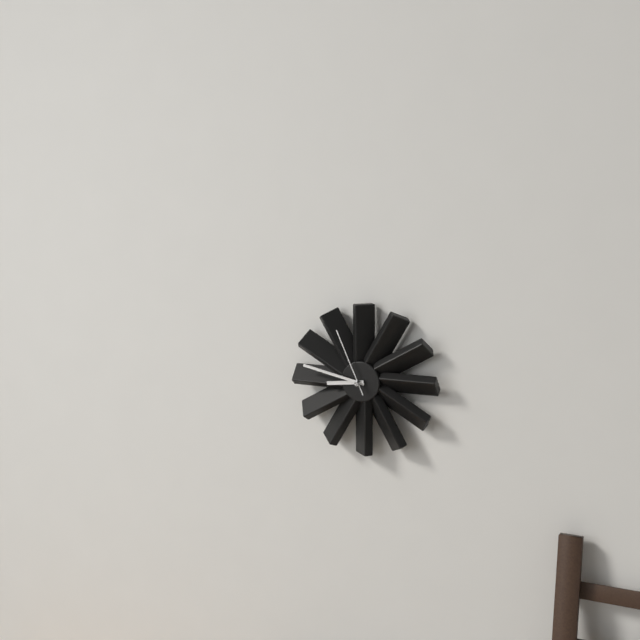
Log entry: 8,47,56
